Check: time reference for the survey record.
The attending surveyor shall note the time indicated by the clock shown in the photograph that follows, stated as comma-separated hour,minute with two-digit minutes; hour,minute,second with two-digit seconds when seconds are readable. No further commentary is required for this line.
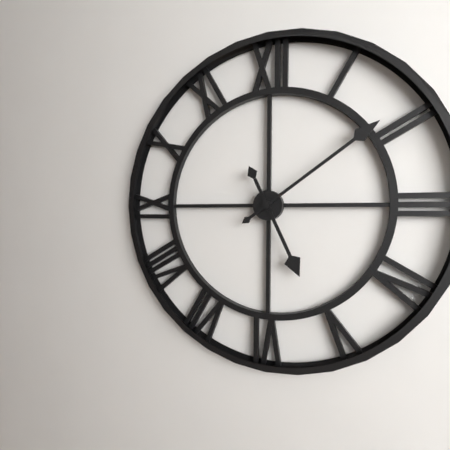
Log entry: 5,09
